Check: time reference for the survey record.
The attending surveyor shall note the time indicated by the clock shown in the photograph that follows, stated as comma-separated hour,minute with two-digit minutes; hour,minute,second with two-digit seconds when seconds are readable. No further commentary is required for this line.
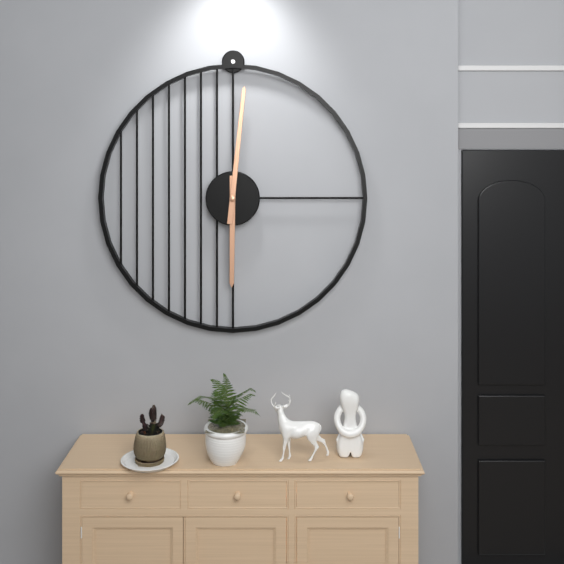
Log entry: 6,01
